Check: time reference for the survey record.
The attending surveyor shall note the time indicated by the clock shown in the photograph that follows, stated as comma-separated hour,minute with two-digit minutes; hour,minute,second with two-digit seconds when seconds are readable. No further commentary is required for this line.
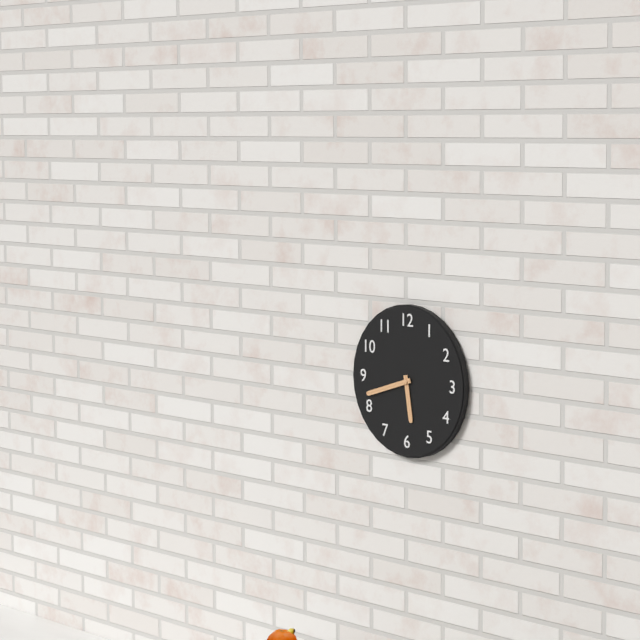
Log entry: 5,42
